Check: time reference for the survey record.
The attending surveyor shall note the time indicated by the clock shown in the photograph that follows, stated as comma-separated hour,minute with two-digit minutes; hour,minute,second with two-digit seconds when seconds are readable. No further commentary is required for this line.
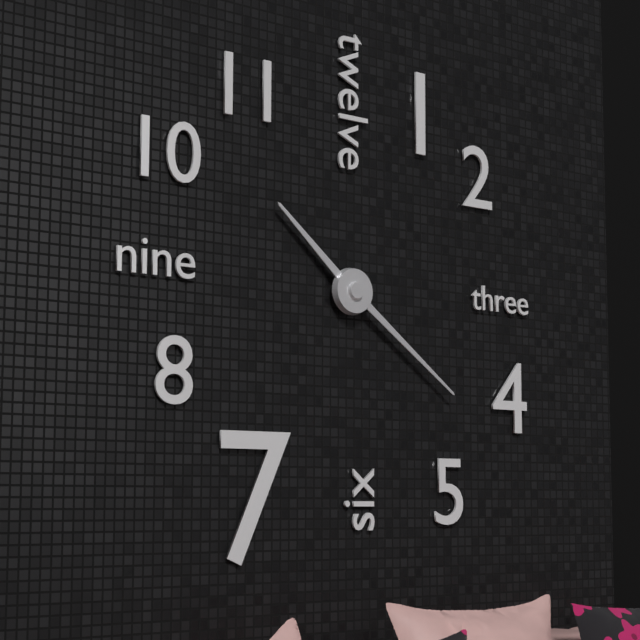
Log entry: 10,21
